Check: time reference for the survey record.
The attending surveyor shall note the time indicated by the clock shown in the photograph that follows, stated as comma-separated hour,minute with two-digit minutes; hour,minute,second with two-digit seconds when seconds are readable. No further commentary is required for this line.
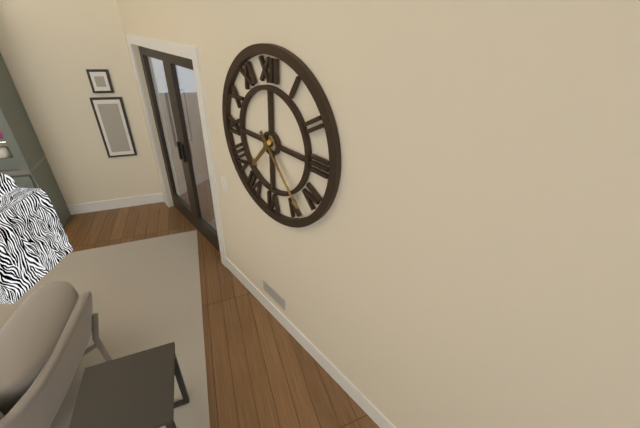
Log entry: 7,23
